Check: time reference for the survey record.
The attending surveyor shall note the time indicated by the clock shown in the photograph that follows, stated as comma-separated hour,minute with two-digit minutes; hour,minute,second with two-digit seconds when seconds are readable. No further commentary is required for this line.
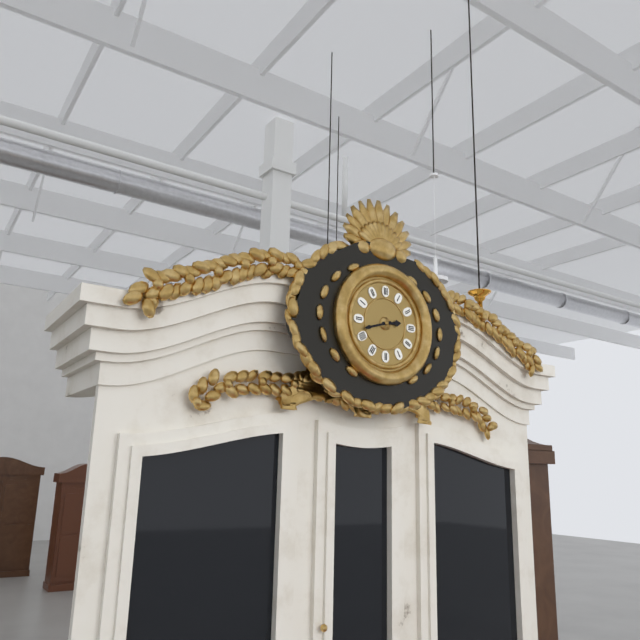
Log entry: 2,42
